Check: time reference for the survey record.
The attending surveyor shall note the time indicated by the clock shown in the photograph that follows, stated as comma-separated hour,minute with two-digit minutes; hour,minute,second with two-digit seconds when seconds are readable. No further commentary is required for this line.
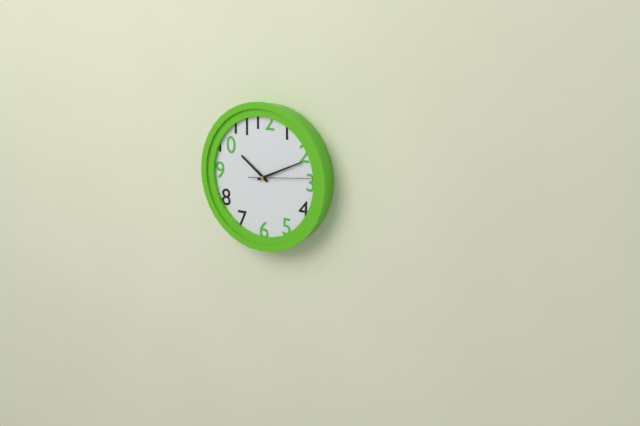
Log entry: 10,11,14
